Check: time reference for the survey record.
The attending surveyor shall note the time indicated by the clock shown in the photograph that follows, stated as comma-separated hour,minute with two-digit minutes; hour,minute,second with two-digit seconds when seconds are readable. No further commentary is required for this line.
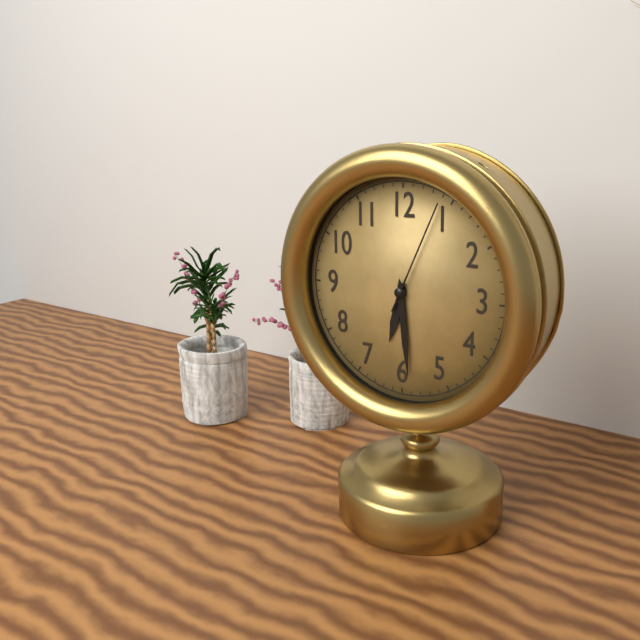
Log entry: 6,29,04
